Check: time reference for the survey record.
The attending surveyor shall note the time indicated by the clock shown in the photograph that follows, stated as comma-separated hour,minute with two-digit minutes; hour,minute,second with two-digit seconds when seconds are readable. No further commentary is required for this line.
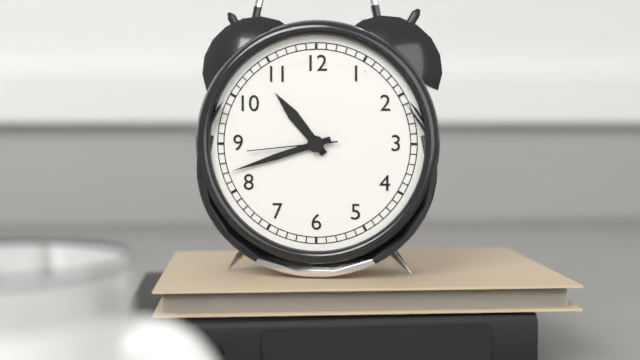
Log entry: 10,42,44
